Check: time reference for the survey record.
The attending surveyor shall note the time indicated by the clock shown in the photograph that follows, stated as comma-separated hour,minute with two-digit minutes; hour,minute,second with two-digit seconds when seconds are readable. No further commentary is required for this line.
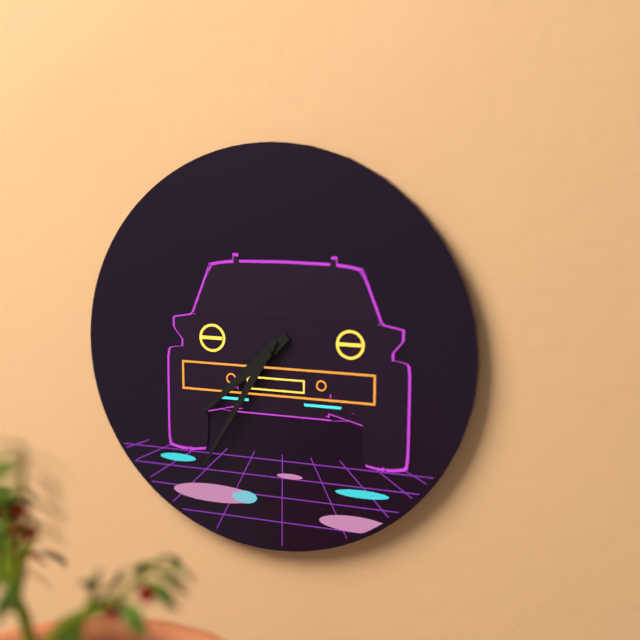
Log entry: 7,35
